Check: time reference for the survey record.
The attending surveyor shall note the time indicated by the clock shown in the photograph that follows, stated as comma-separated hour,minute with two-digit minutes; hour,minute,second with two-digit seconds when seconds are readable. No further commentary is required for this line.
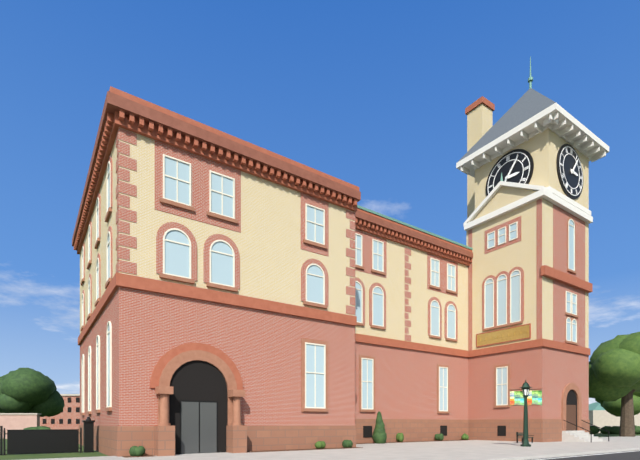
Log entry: 3,06
